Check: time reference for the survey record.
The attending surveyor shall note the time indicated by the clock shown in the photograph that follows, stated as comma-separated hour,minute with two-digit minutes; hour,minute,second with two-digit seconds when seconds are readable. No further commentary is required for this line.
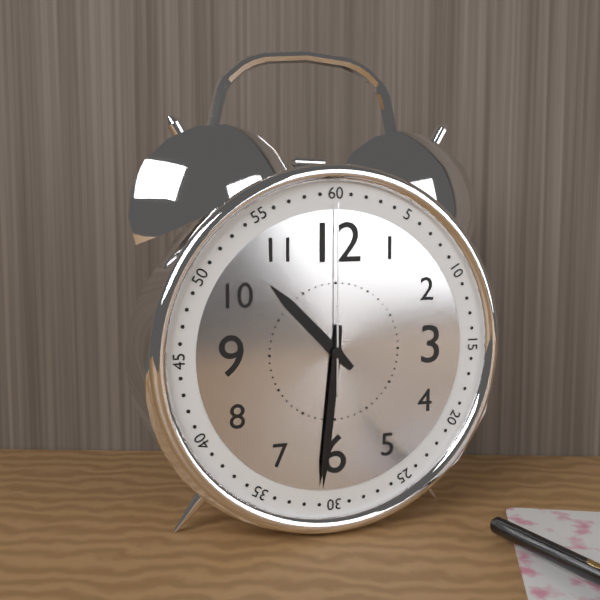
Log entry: 10,31,00
